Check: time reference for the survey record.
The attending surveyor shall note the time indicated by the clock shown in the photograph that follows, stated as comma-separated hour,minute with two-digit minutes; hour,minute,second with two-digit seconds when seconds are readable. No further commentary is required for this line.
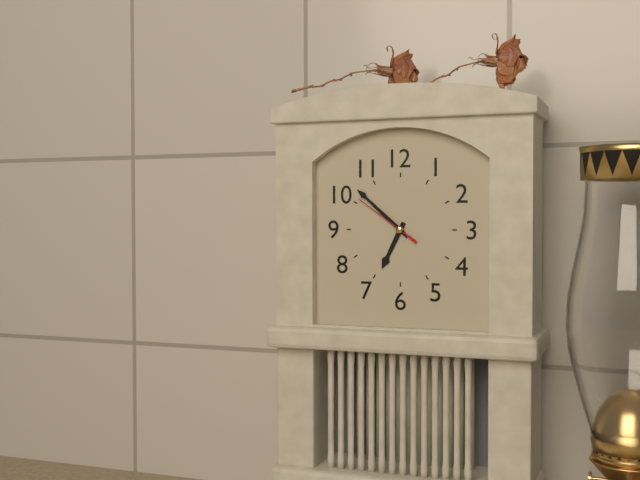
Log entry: 6,52,51
